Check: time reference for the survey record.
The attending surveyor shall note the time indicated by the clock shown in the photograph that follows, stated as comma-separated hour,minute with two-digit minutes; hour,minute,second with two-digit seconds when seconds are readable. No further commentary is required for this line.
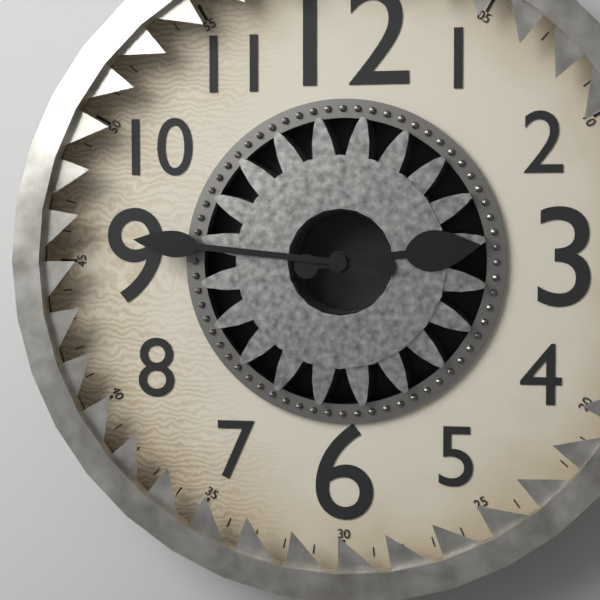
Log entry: 2,46
